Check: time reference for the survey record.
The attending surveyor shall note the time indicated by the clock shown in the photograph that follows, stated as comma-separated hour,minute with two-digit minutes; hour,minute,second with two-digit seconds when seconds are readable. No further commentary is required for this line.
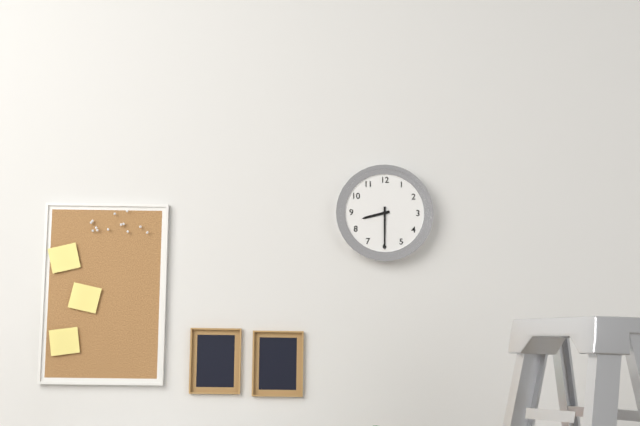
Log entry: 8,30
